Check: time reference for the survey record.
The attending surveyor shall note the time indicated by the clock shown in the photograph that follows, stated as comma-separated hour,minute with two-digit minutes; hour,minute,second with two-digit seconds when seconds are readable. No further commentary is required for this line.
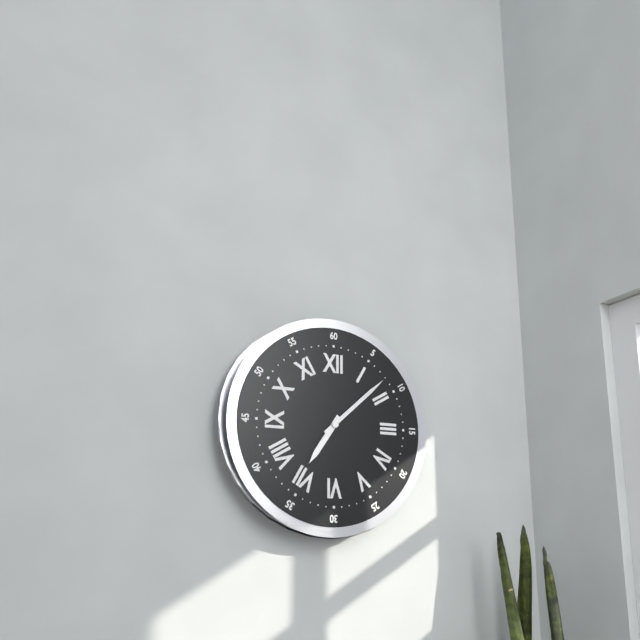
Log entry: 7,08
